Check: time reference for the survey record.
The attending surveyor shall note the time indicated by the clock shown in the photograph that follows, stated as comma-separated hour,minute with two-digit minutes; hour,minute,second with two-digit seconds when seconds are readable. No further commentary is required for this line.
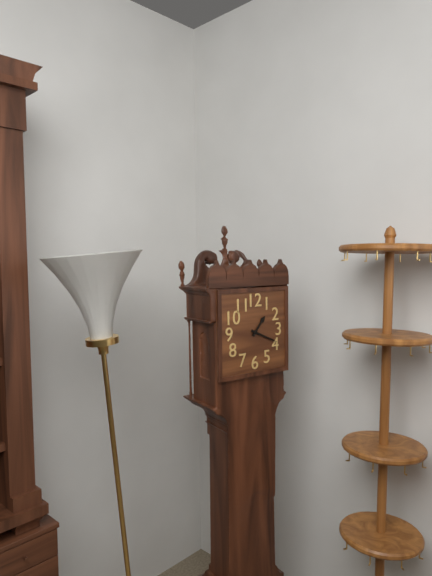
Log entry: 1,19
